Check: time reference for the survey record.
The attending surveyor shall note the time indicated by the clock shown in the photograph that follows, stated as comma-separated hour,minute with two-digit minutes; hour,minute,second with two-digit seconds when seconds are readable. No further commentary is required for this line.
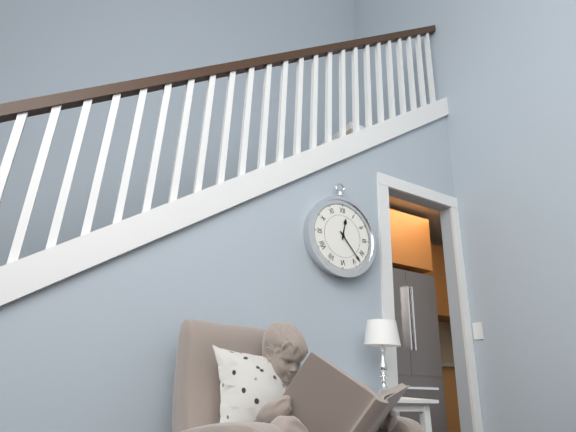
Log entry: 12,23
